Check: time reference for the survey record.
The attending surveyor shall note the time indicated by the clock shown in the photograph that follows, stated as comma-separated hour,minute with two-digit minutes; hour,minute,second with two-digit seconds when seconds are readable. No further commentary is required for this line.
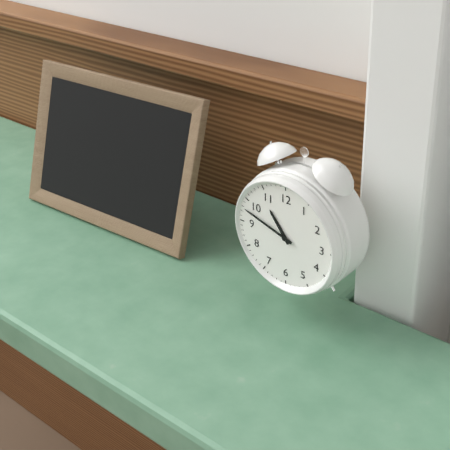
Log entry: 10,48
